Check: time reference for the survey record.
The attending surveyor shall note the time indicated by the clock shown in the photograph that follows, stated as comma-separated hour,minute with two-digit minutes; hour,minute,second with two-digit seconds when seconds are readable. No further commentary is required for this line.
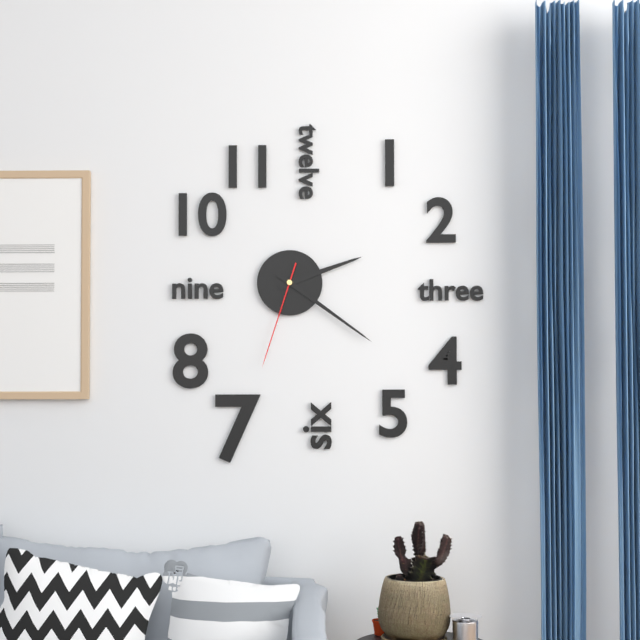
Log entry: 2,21,33
